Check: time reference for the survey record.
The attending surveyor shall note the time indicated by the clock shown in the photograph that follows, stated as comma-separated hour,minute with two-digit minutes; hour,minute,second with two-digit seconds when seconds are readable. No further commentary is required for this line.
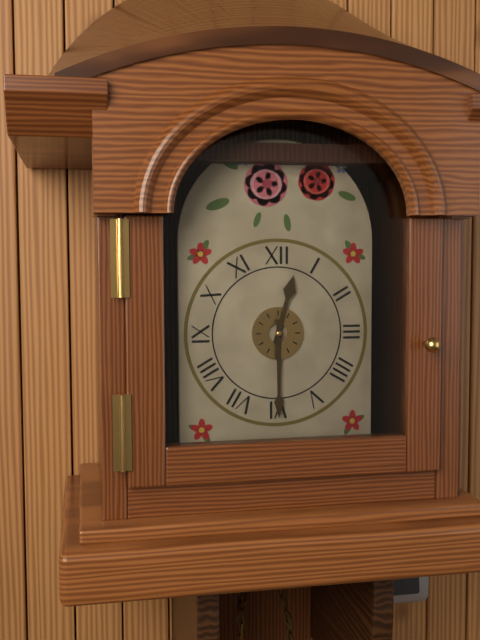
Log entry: 12,30
